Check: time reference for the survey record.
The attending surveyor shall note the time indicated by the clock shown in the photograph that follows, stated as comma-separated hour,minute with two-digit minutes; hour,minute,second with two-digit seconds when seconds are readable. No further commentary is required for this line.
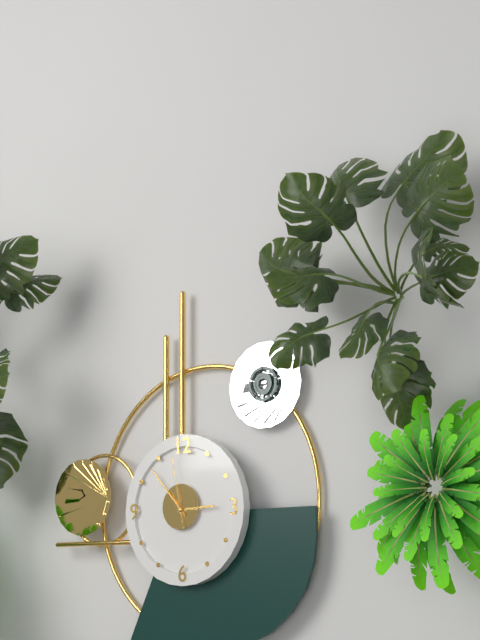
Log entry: 2,53,58
